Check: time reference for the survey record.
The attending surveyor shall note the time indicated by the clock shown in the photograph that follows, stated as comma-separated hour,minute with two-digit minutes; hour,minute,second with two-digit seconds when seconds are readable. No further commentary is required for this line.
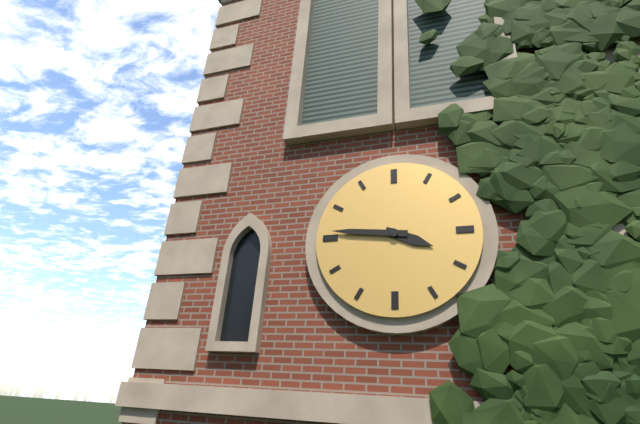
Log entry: 3,46
